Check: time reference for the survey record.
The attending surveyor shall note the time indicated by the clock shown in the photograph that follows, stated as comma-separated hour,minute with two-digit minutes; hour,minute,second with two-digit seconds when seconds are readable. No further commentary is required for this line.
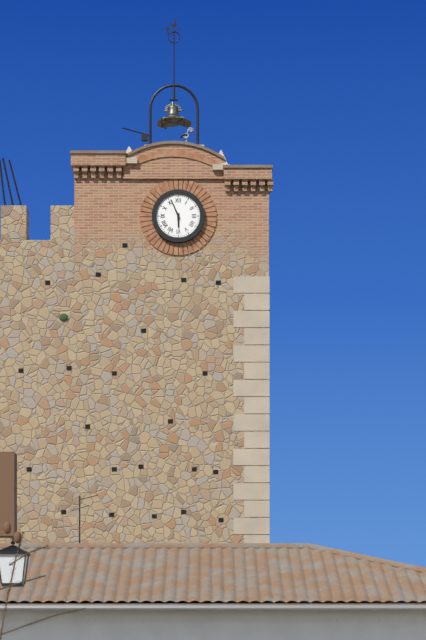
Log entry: 5,56
